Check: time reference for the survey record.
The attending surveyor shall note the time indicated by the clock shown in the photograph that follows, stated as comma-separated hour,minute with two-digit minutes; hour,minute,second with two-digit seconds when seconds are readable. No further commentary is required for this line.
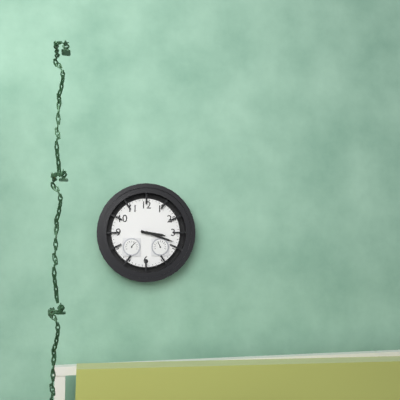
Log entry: 3,18
